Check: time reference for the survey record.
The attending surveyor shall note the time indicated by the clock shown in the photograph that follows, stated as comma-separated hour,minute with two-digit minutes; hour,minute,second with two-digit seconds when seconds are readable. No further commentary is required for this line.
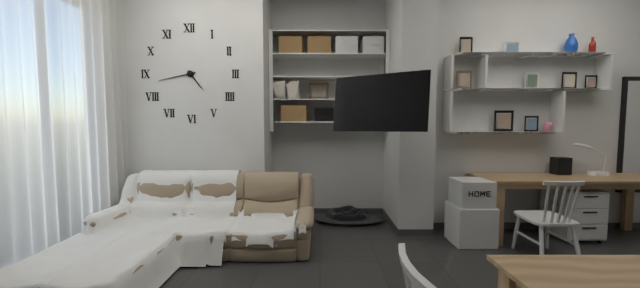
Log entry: 4,43
